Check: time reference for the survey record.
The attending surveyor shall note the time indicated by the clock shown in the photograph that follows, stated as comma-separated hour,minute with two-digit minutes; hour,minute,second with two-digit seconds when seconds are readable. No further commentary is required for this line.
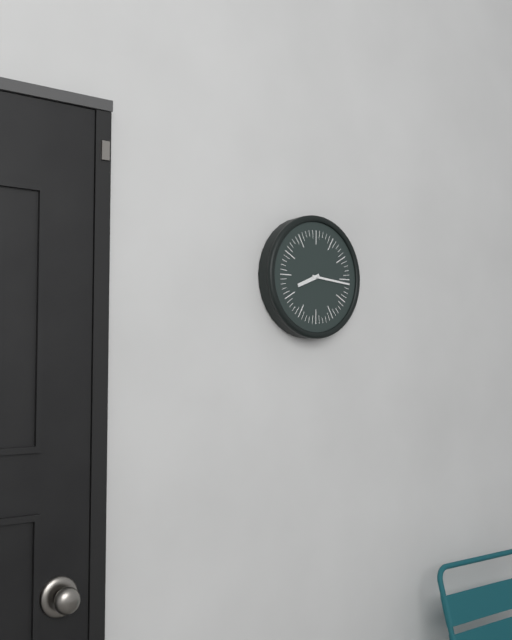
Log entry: 8,16
